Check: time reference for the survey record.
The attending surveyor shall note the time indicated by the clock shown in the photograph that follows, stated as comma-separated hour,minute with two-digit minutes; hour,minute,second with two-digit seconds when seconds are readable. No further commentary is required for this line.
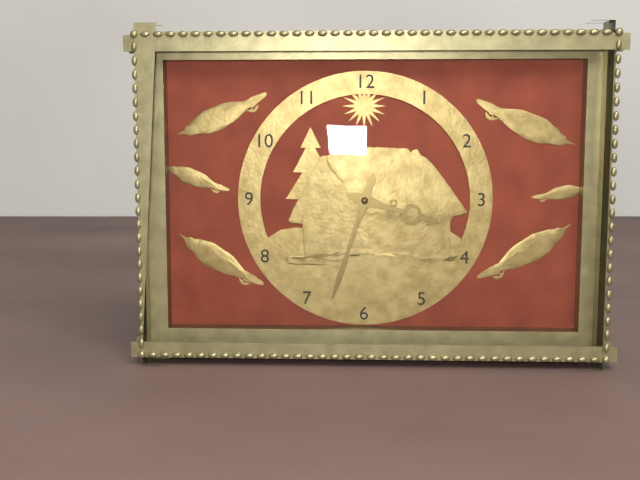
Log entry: 3,33
